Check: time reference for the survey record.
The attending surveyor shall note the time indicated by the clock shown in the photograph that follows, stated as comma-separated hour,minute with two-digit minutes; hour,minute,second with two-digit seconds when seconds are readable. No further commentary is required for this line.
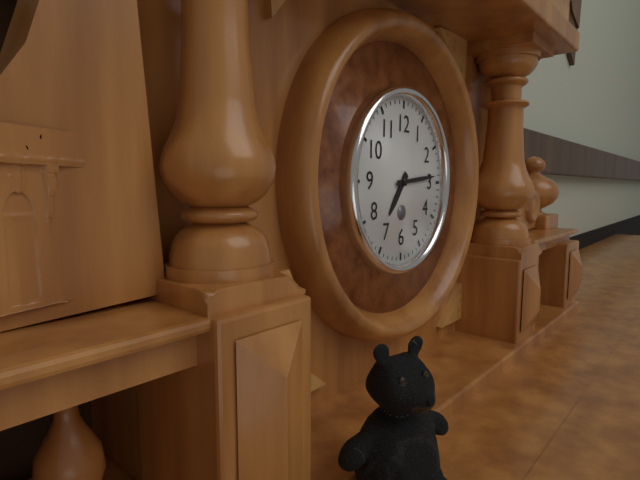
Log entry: 7,14
